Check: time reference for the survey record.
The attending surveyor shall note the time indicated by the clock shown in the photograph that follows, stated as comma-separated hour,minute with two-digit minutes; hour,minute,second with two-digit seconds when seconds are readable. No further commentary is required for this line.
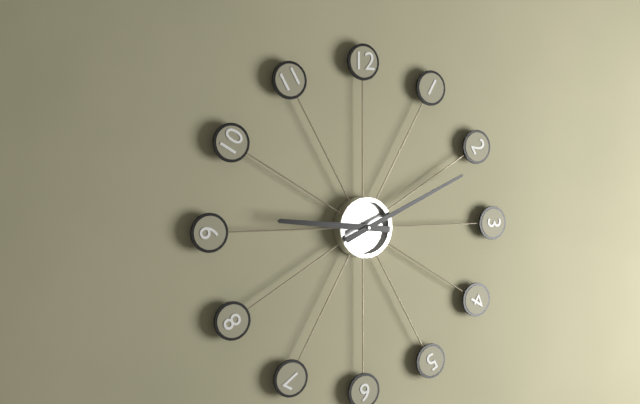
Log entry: 9,11
